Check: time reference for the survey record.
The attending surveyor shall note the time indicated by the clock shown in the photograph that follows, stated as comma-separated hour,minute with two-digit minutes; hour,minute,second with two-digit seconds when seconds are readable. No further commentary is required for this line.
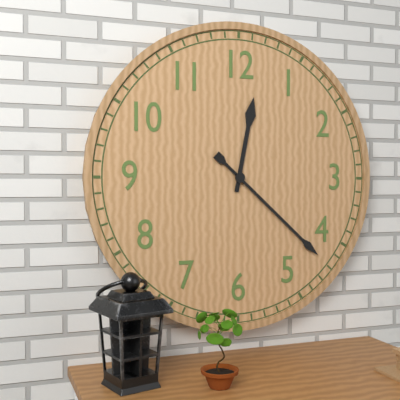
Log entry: 12,22
